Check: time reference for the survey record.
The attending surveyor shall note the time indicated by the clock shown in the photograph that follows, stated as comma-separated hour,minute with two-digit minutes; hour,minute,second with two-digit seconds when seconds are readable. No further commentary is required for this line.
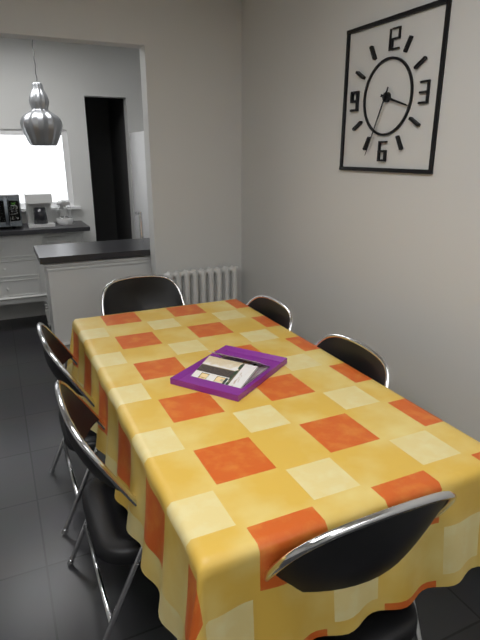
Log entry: 3,34
